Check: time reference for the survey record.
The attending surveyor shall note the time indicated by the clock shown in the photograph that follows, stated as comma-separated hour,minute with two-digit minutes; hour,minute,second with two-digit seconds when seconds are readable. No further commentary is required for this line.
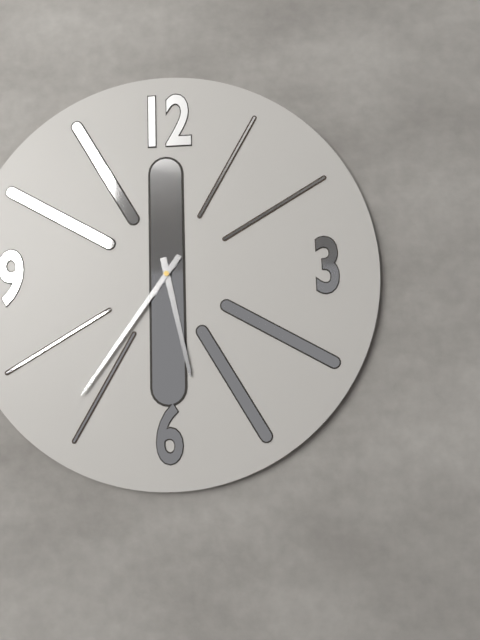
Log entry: 5,36
